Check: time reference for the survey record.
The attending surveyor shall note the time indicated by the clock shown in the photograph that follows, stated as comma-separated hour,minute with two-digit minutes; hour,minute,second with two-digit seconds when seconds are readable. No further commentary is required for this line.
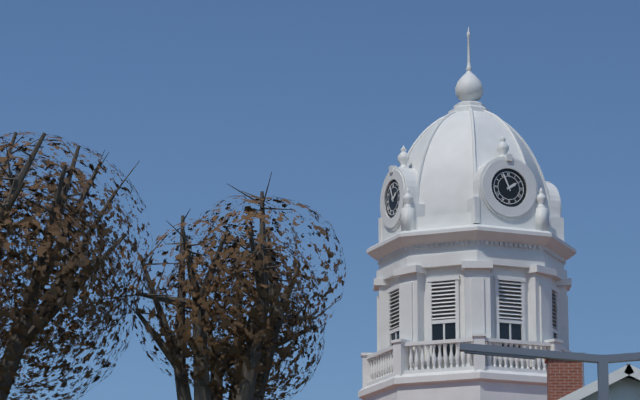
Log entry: 1,56
